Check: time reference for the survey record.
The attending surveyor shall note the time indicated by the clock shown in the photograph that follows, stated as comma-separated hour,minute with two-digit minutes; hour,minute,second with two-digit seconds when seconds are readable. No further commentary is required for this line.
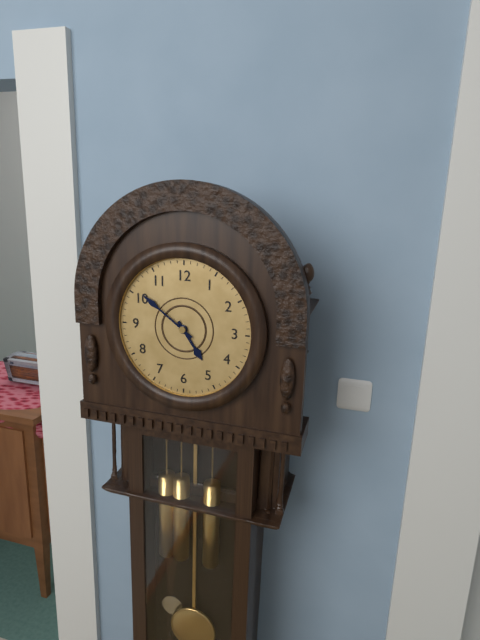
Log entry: 4,51
